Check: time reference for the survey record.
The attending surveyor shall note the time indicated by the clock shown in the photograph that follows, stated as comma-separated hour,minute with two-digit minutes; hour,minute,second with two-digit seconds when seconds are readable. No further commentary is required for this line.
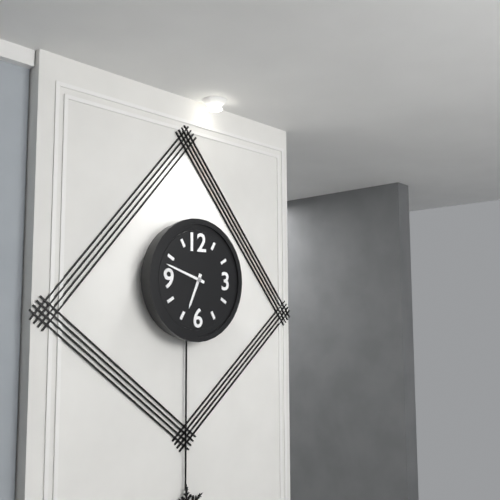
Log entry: 6,48
